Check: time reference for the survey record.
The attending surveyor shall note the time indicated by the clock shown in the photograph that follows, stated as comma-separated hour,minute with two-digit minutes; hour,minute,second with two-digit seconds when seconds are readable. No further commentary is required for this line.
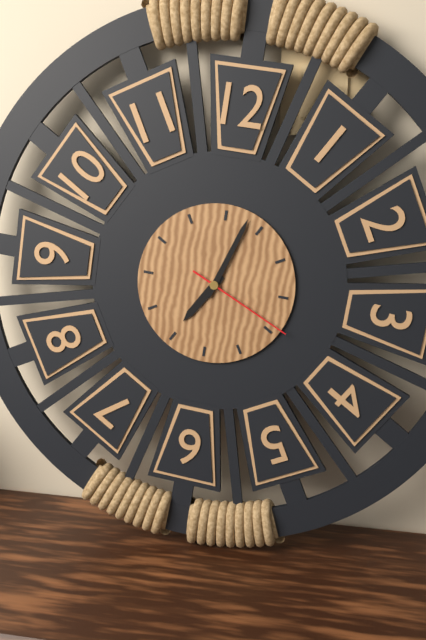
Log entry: 7,03,19
